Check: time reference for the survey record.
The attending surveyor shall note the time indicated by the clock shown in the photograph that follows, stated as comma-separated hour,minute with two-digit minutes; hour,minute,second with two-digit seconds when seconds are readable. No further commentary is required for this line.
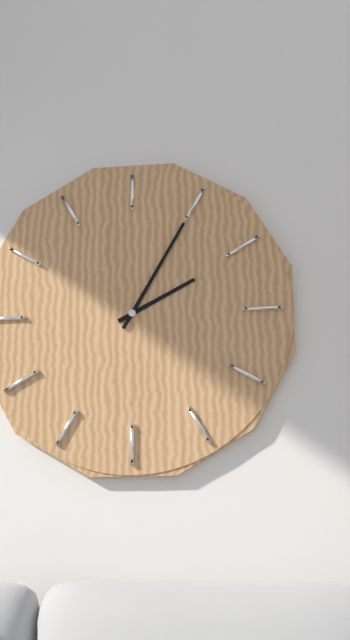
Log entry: 2,05
